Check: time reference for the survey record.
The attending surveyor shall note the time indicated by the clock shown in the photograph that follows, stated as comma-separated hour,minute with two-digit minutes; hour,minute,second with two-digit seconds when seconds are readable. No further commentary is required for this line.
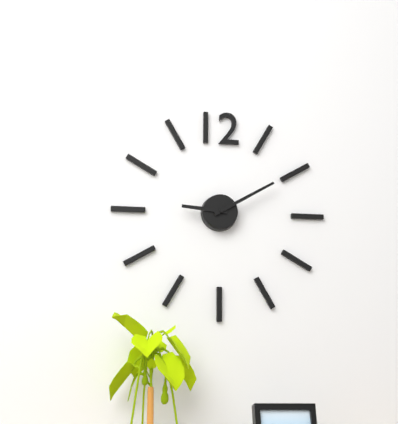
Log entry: 9,10
